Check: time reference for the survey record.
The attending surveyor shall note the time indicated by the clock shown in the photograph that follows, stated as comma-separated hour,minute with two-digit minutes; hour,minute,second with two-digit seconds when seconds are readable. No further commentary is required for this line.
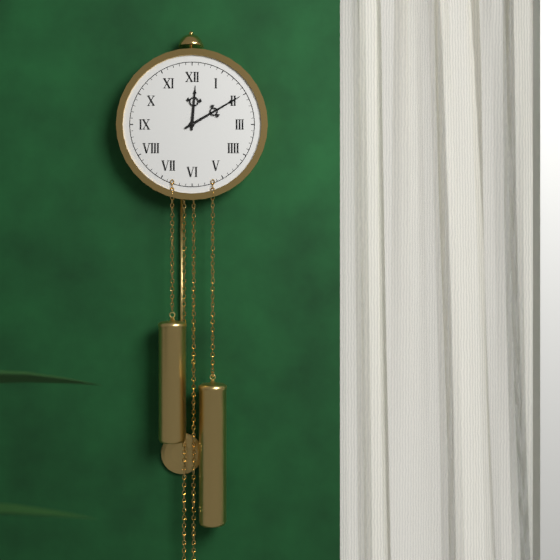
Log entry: 12,10
